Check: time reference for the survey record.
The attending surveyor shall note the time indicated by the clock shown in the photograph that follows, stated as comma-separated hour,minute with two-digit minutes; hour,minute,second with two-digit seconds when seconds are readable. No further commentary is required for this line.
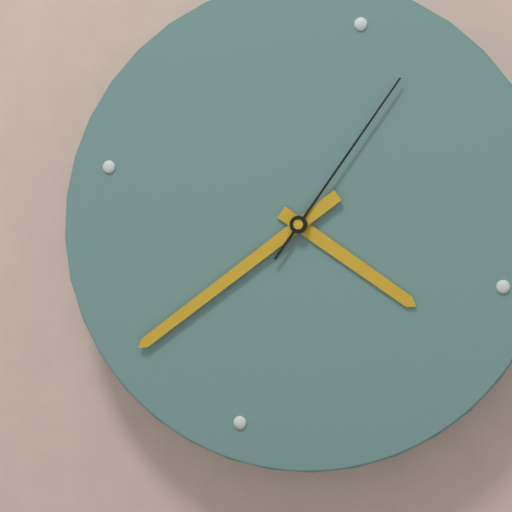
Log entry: 3,36,03
